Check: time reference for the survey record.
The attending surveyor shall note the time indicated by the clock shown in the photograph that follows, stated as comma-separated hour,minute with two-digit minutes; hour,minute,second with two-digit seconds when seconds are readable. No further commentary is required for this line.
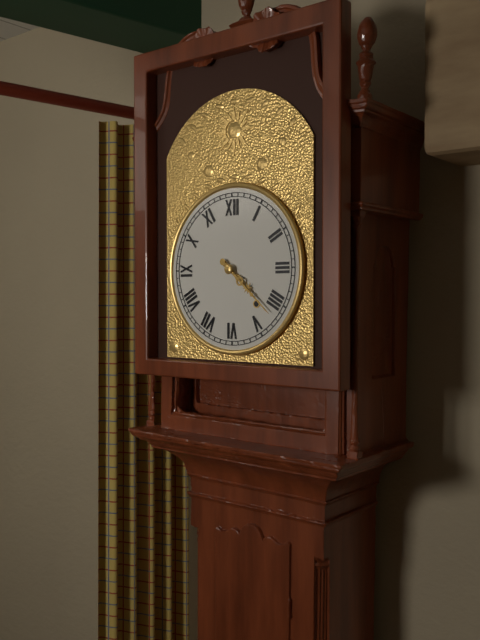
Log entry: 4,22
